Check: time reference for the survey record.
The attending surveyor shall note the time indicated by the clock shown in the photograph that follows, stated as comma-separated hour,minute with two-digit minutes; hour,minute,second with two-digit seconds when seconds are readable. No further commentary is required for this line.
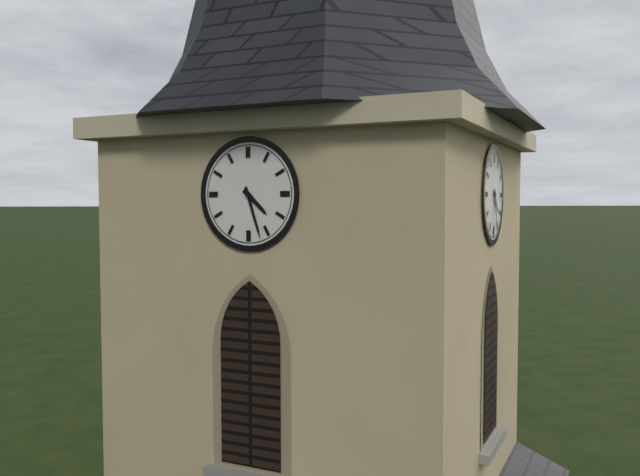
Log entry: 4,27
